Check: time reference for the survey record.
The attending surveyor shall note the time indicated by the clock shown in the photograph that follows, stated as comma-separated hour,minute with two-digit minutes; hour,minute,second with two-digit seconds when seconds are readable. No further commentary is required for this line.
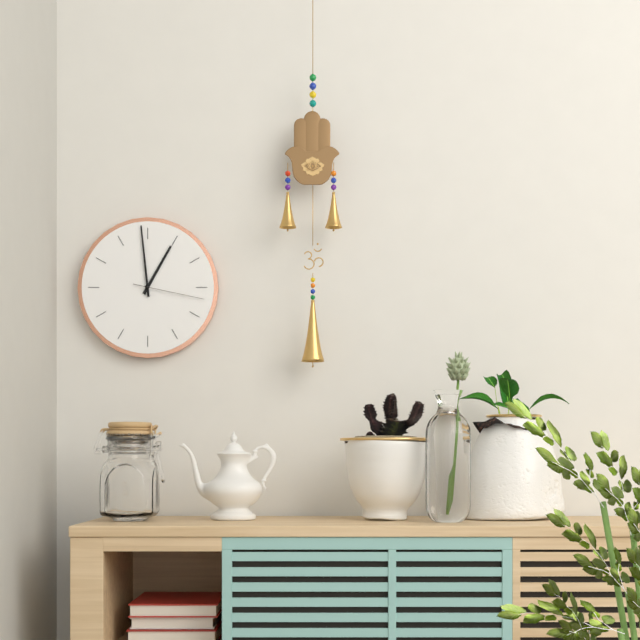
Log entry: 12,59,17
